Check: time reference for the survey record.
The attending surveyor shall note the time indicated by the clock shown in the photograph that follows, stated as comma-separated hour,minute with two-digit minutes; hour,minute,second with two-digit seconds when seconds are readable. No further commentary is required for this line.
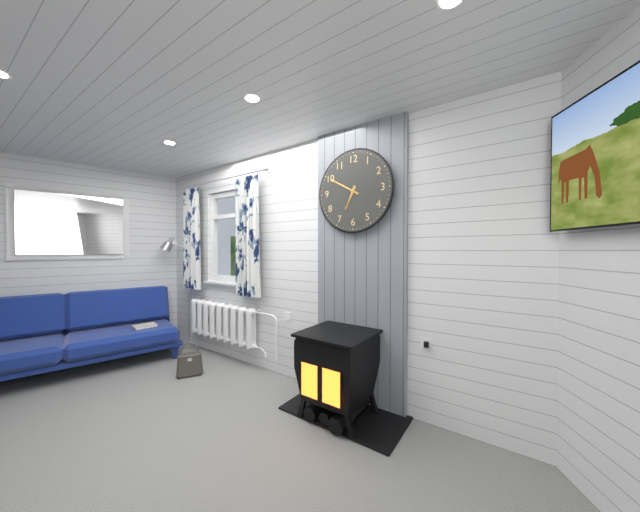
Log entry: 6,50
